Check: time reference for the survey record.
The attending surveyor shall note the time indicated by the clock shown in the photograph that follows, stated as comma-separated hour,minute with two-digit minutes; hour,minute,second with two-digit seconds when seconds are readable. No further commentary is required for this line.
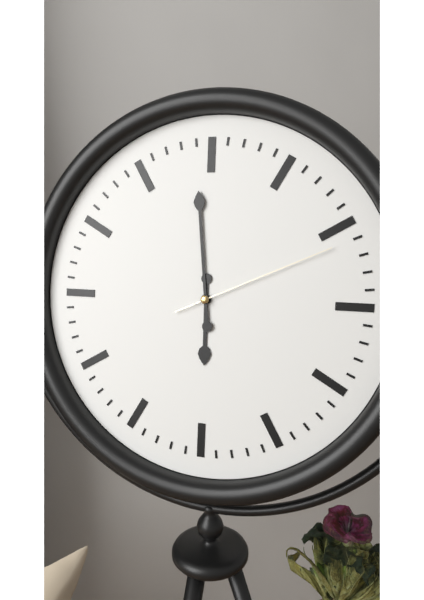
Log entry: 5,59,11
